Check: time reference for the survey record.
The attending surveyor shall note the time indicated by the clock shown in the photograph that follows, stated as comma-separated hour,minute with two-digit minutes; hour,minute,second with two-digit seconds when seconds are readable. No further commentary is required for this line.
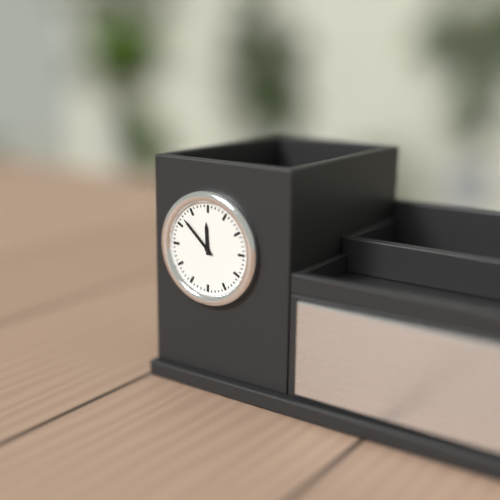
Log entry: 11,52
